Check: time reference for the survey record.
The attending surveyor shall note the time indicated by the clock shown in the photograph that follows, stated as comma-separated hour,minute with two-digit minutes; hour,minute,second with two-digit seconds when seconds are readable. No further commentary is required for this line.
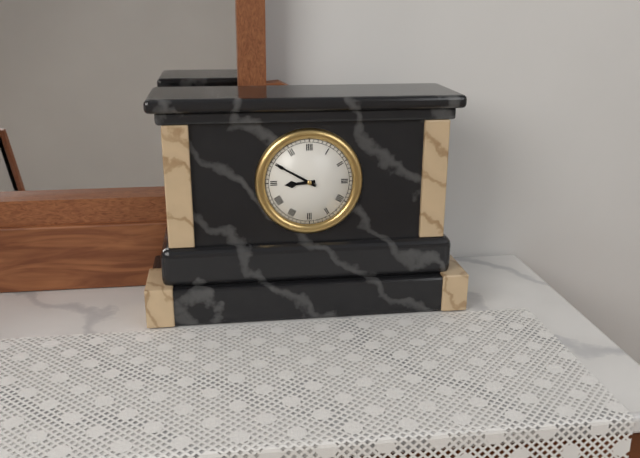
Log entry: 8,50
